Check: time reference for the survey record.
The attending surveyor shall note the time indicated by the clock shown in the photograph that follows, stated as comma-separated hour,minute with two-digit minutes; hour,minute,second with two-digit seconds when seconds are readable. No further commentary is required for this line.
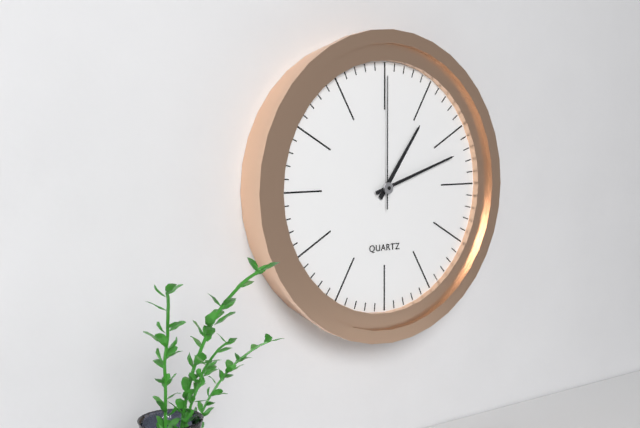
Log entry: 1,12,00
